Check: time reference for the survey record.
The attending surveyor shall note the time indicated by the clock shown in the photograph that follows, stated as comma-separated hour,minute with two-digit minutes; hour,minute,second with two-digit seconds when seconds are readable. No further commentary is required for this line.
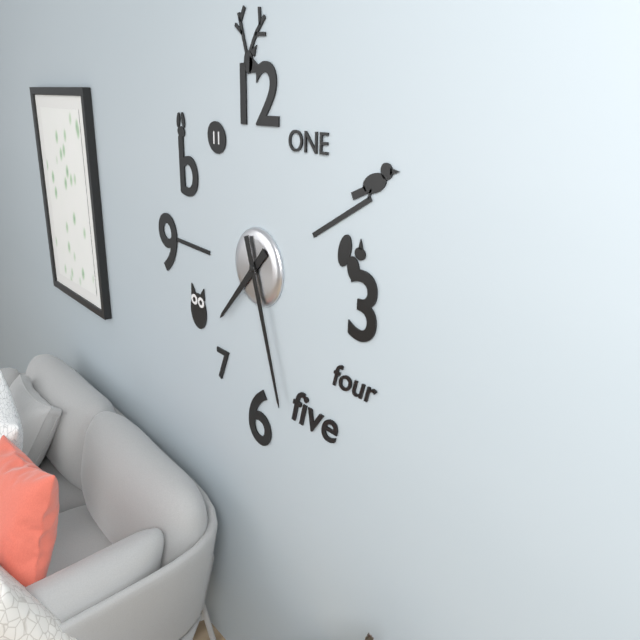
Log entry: 7,27
